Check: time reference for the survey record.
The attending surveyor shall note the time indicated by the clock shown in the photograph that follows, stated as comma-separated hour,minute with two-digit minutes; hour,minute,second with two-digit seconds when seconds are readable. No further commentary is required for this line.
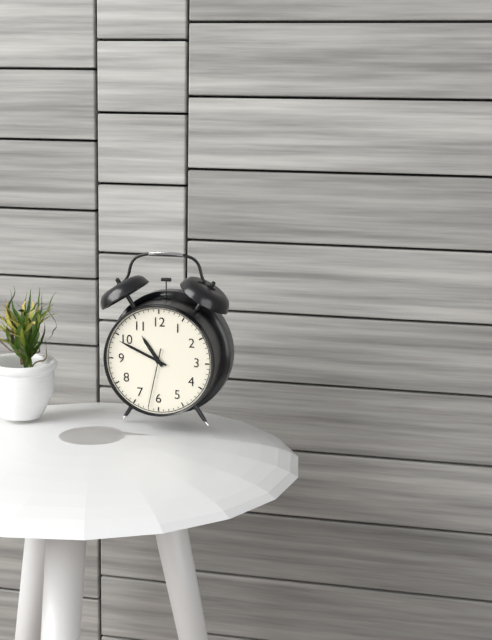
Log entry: 10,49,32
